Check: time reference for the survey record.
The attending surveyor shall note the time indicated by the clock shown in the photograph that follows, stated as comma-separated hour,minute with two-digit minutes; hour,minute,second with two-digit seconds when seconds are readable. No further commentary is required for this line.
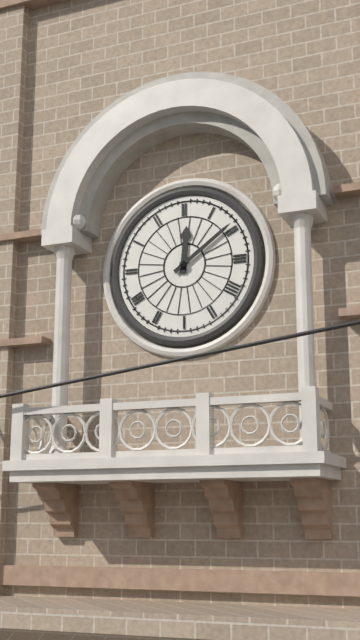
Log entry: 12,09
